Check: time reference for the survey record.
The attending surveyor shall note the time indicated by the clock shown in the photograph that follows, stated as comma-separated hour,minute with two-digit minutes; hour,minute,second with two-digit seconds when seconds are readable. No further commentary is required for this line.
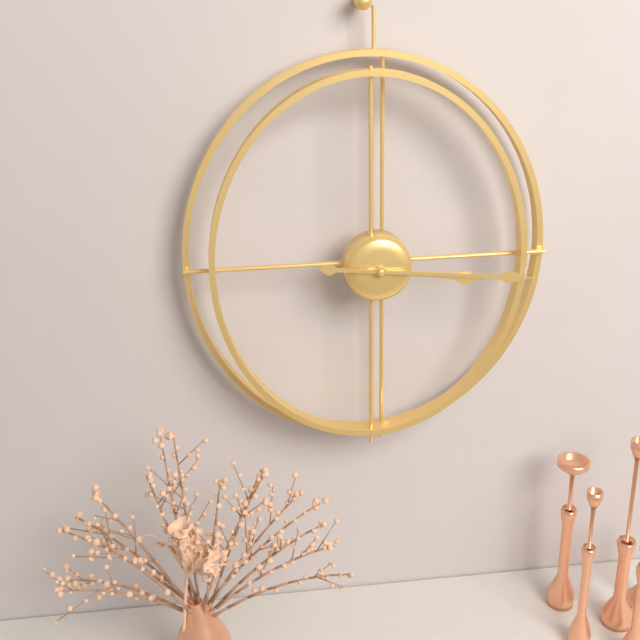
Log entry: 3,16
